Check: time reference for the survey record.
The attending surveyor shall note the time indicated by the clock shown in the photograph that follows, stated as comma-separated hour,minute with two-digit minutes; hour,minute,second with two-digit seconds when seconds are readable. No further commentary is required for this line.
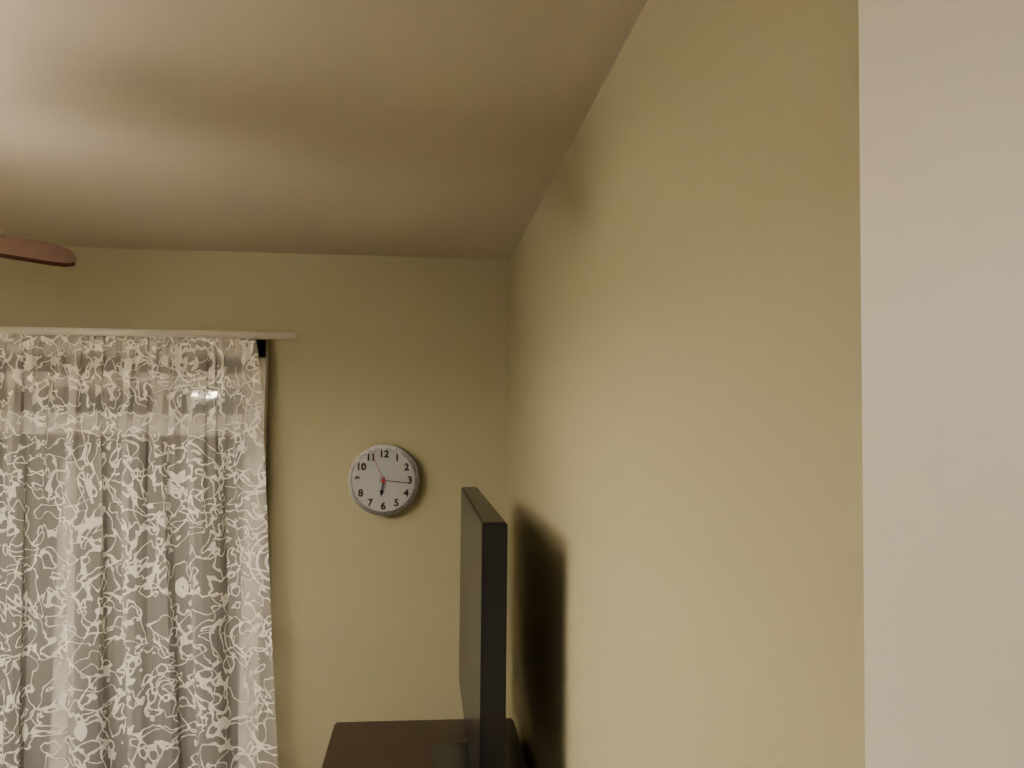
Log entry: 6,16
